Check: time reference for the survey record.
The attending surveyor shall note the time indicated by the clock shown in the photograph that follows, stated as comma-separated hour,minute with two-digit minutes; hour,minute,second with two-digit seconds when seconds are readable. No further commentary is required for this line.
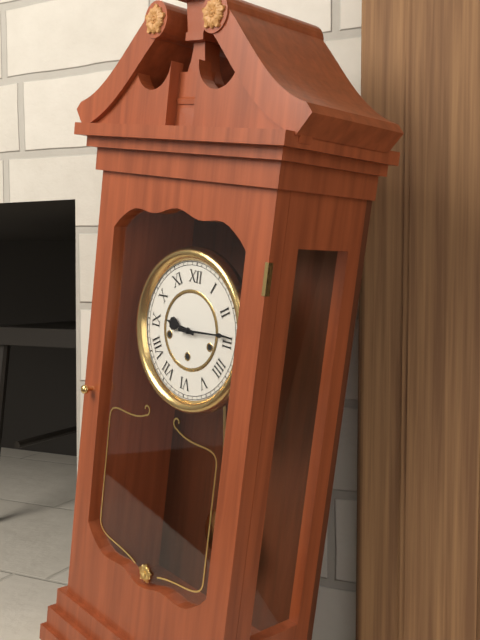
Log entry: 9,14
